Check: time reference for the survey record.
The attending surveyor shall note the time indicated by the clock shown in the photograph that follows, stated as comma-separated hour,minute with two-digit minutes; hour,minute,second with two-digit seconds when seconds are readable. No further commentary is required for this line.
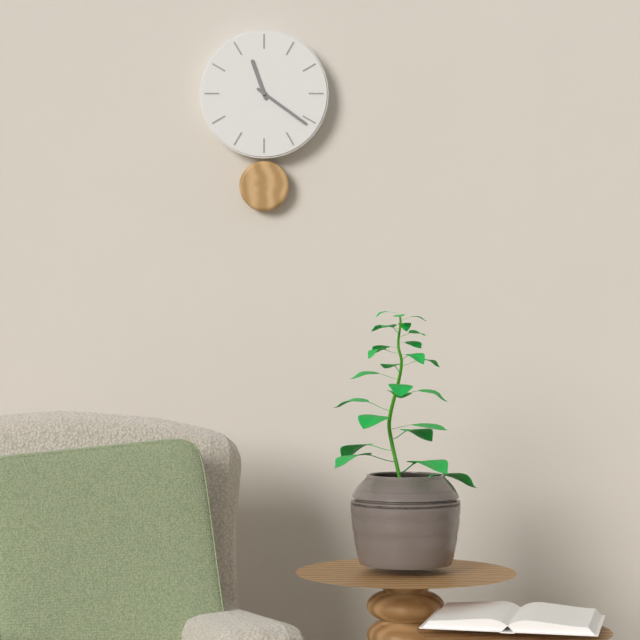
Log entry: 11,21
